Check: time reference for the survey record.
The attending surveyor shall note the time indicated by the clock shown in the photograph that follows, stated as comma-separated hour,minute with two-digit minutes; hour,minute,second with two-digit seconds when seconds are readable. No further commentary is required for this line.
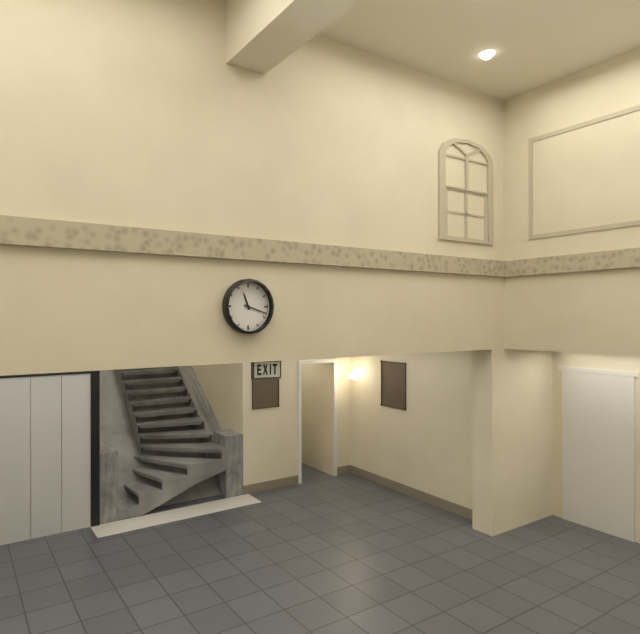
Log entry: 11,18
